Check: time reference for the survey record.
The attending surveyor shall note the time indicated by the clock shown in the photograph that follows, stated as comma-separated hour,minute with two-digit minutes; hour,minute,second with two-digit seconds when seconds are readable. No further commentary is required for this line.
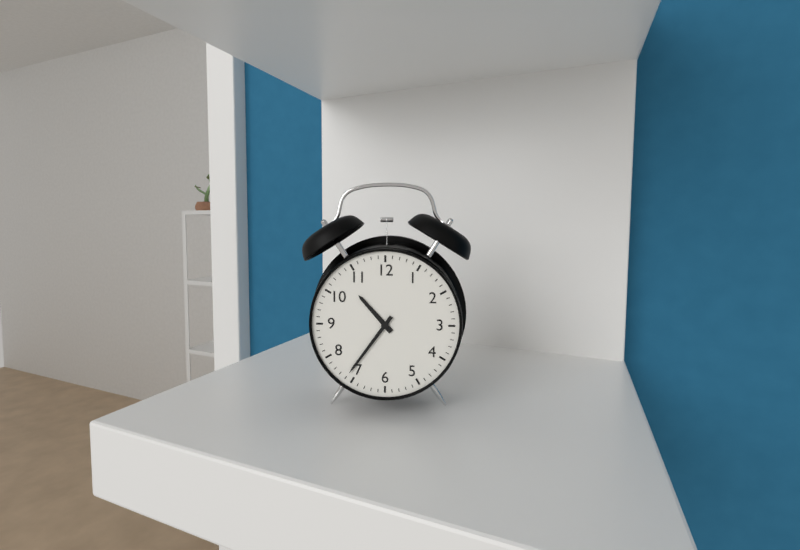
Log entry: 10,36
